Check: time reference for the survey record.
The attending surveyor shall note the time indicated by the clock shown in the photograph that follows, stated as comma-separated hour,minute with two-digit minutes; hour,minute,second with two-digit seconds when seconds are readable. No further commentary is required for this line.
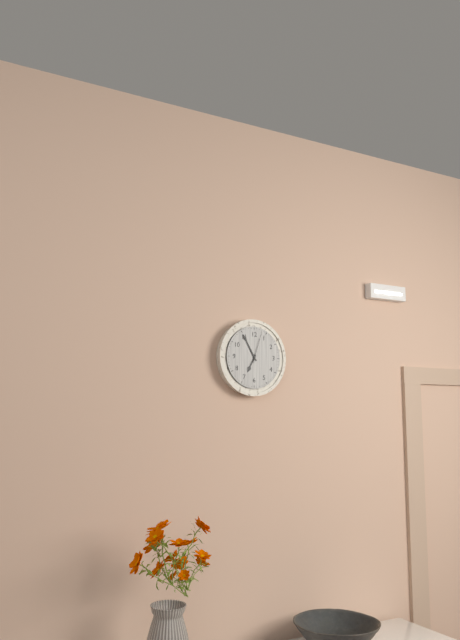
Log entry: 6,55
